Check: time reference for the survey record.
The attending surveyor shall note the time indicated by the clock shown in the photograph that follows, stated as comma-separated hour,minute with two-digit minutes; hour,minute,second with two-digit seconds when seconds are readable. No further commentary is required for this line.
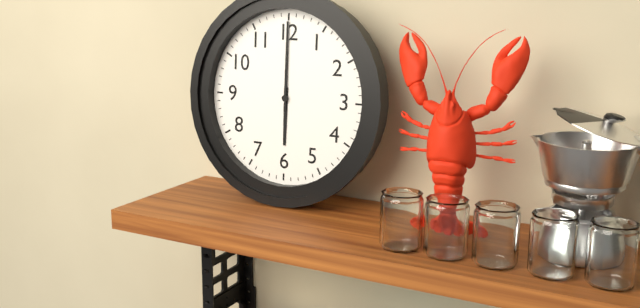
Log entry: 6,00
